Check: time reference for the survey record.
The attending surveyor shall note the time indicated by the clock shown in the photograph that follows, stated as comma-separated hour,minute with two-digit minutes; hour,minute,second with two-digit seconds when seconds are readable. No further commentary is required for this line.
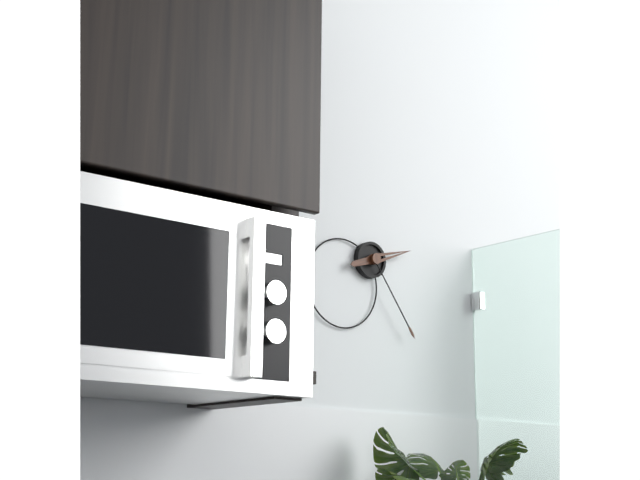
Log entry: 2,24
